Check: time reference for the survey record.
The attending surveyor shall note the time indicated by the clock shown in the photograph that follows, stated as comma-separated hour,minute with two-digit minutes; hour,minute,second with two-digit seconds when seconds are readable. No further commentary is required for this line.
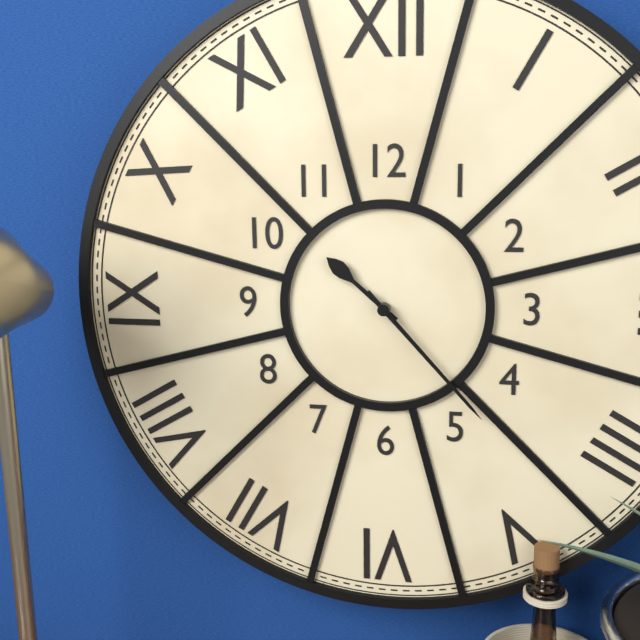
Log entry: 10,23
